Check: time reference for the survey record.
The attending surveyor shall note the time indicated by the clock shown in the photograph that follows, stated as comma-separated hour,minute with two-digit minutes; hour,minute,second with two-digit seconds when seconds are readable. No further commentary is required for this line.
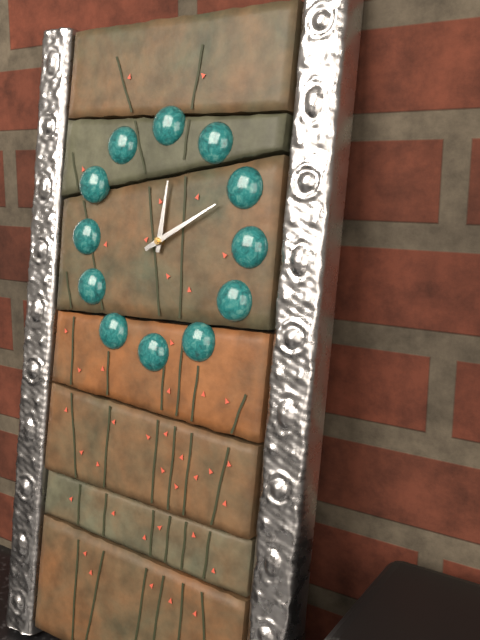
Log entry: 12,10
